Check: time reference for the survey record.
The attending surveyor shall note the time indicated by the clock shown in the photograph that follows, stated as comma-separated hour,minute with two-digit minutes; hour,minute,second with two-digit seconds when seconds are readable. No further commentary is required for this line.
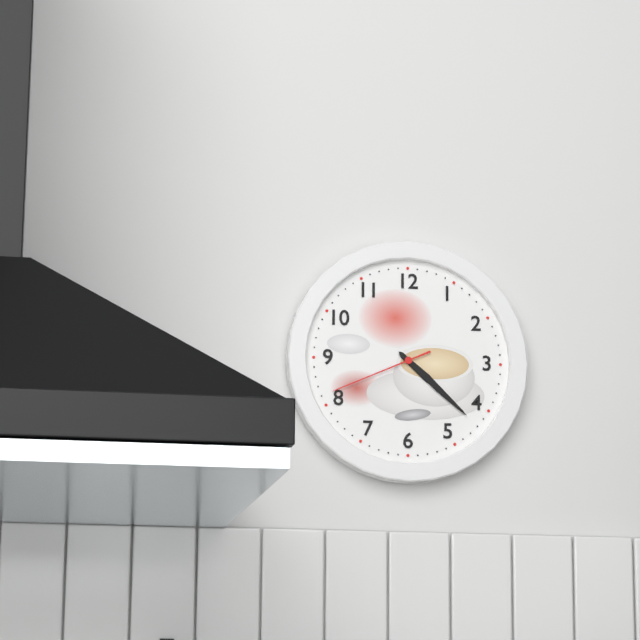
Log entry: 4,22,41
